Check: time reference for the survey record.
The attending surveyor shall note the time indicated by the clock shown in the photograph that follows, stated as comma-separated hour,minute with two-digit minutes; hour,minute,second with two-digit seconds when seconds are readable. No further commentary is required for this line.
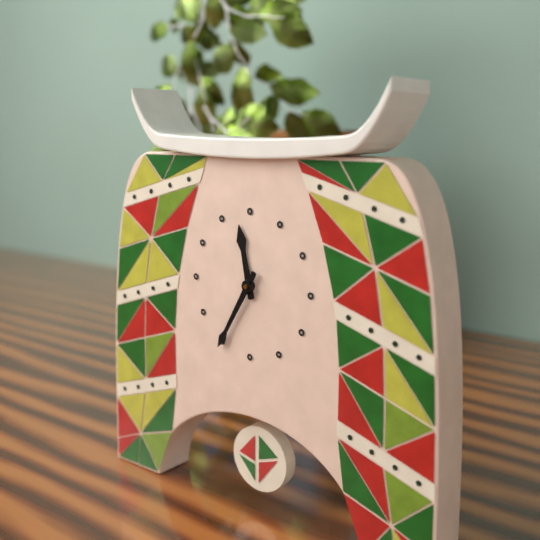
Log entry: 11,35
